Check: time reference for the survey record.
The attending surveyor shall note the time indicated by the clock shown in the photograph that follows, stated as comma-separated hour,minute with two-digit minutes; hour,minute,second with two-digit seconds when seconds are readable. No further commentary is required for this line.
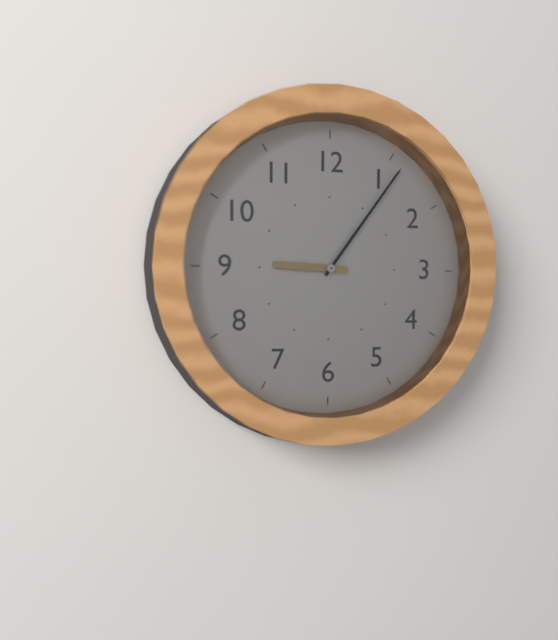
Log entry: 9,06
